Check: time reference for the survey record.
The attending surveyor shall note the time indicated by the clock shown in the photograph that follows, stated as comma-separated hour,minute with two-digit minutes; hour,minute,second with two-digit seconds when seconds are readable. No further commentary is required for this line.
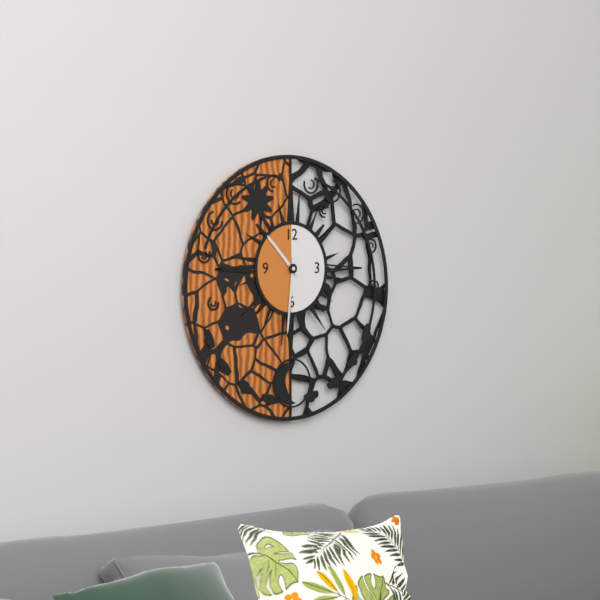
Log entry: 10,31
